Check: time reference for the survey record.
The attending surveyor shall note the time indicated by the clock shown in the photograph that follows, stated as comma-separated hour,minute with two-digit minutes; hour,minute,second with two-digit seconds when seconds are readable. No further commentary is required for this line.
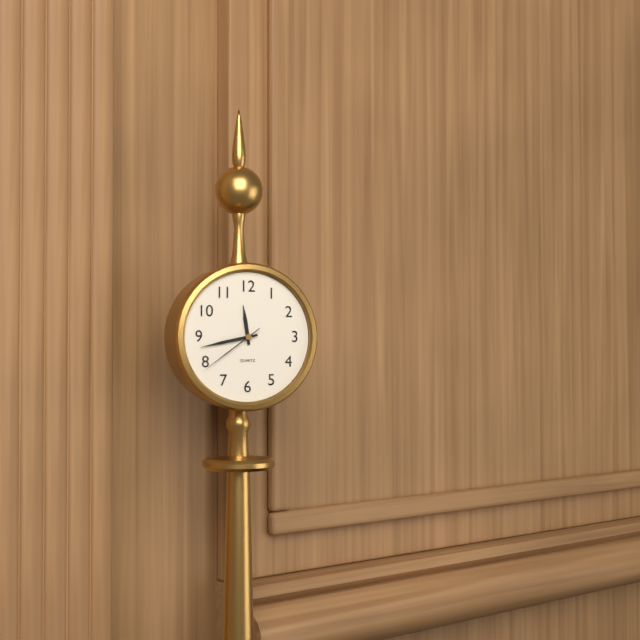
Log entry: 11,43,39
